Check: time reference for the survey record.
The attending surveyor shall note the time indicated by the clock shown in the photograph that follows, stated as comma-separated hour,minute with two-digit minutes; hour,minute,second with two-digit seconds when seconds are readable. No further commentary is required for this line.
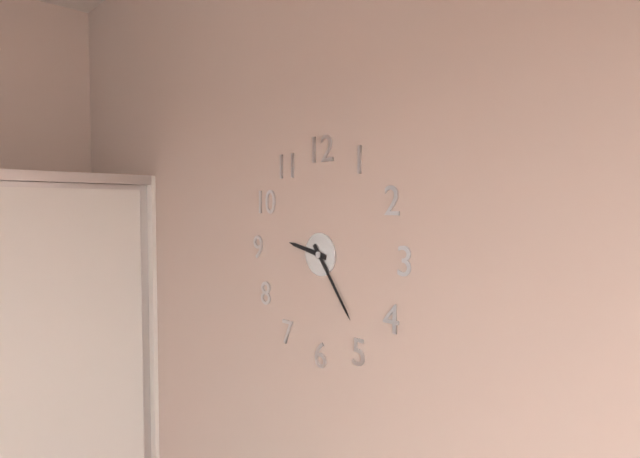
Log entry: 9,24
